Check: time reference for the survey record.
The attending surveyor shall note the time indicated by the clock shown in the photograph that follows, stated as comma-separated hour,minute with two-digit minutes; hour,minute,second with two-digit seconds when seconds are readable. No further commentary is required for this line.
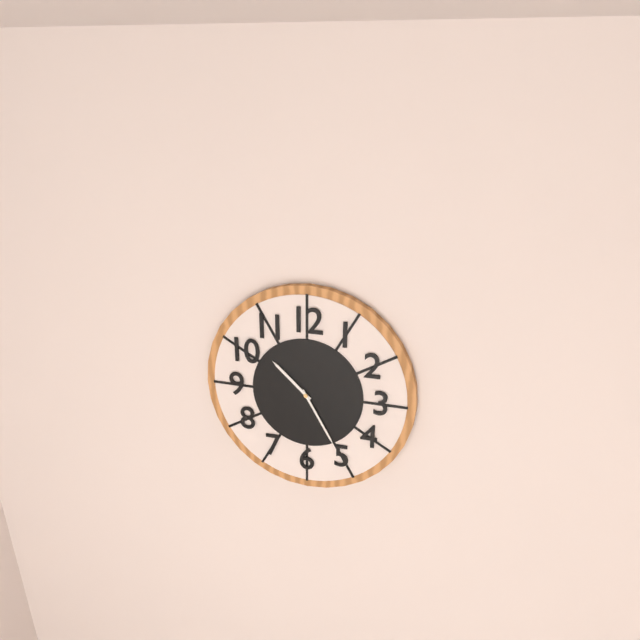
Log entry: 10,25
